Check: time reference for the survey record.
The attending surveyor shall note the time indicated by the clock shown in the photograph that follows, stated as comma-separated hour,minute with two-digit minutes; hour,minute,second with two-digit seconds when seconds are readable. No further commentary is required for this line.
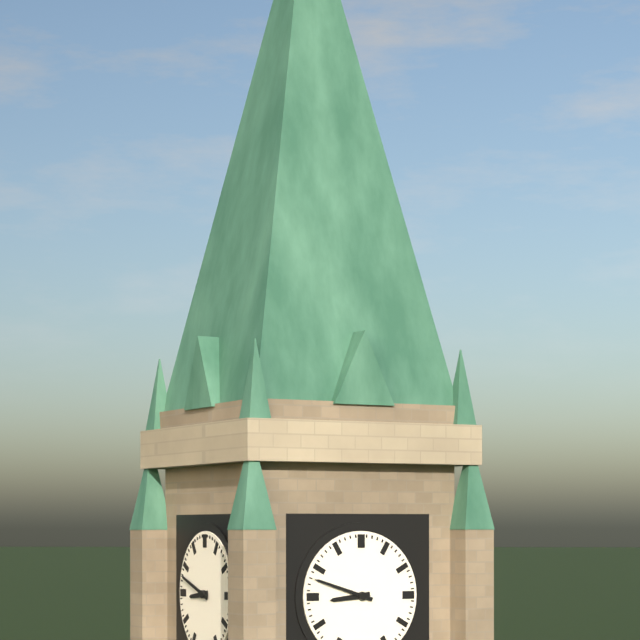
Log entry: 8,48
